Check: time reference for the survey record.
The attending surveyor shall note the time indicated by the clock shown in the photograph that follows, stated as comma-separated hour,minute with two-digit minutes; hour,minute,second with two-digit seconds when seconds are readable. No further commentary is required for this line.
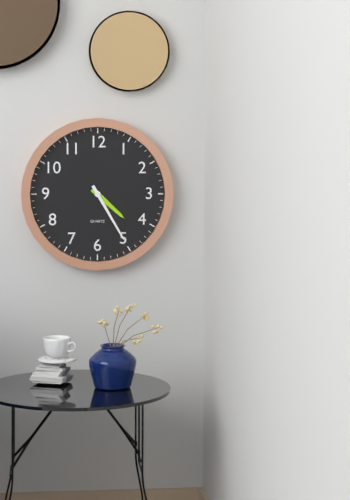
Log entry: 4,25
